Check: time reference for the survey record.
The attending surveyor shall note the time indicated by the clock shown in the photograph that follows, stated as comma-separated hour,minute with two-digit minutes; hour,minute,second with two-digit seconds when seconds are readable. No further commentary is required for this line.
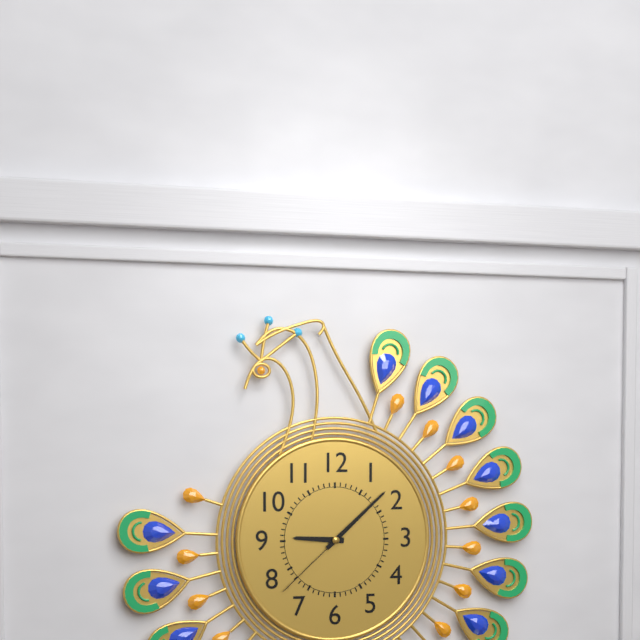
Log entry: 9,08,38
